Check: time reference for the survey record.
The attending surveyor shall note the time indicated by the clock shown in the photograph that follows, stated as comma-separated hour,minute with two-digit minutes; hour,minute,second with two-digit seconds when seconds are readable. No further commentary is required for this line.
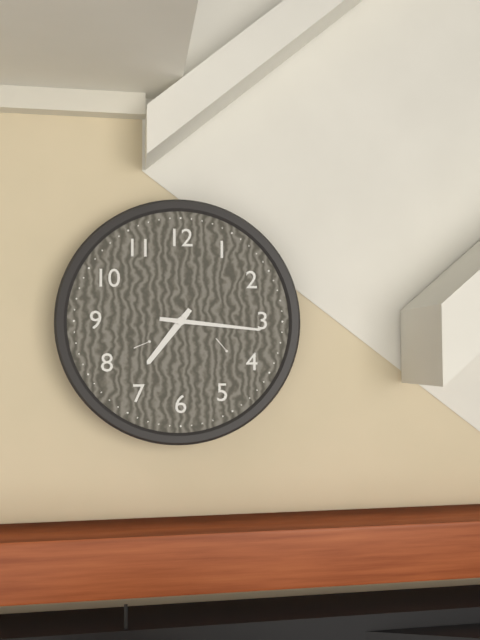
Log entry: 7,16
